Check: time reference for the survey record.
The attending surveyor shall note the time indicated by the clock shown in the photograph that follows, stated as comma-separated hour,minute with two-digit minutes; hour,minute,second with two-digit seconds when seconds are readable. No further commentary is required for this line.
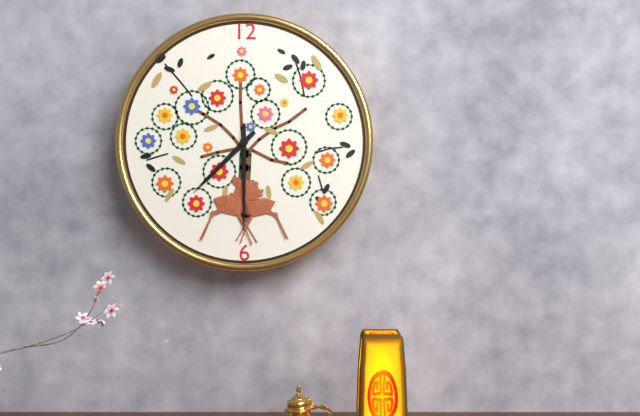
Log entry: 7,30
